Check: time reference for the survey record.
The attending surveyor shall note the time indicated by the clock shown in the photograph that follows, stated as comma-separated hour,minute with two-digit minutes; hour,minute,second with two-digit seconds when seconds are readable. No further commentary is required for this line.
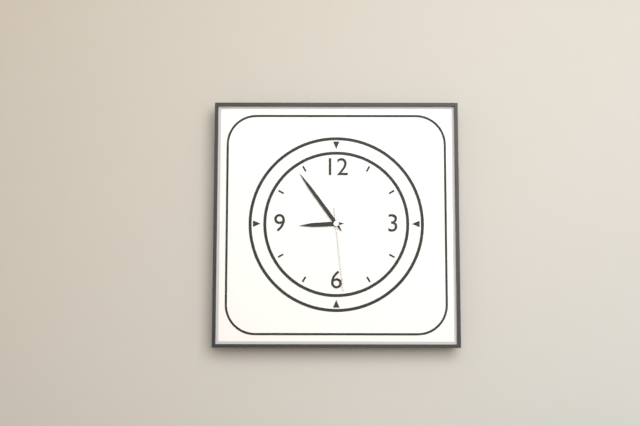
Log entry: 8,54,29
